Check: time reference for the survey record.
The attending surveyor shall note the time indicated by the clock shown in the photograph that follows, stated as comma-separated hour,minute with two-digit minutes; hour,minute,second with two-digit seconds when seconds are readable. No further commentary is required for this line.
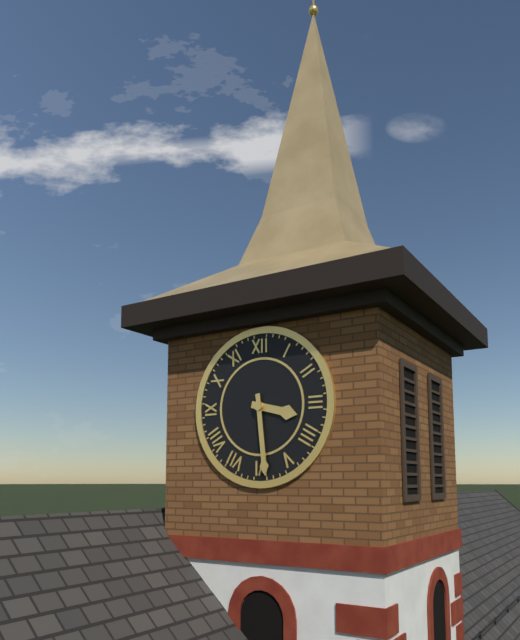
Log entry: 3,29
